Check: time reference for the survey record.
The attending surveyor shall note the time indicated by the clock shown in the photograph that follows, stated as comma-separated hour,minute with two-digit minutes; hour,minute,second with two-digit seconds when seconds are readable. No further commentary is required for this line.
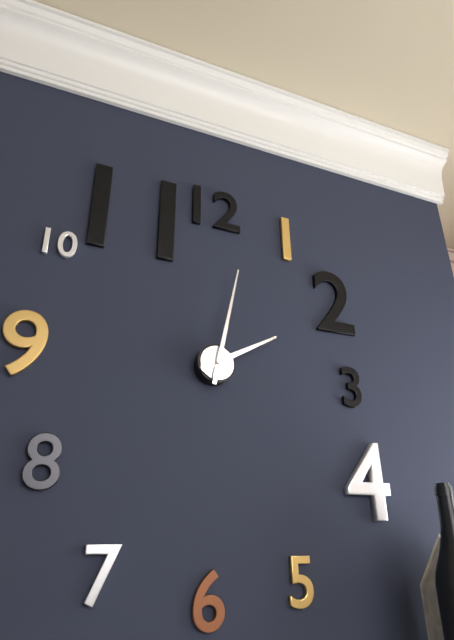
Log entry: 2,02
